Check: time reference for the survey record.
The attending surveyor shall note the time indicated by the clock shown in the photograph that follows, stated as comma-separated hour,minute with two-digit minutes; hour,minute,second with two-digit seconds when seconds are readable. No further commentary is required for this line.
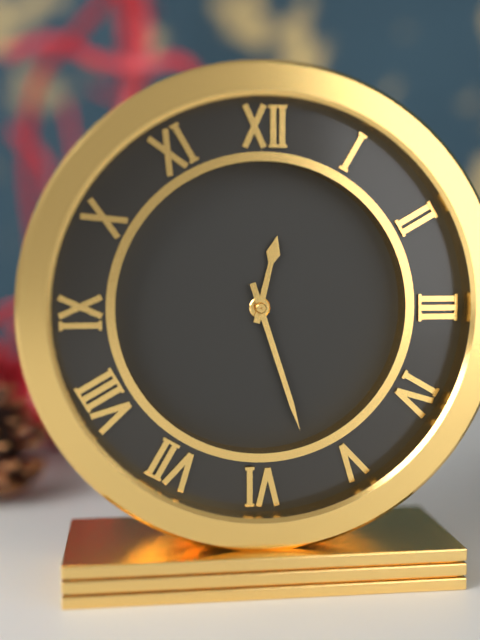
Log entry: 12,27
